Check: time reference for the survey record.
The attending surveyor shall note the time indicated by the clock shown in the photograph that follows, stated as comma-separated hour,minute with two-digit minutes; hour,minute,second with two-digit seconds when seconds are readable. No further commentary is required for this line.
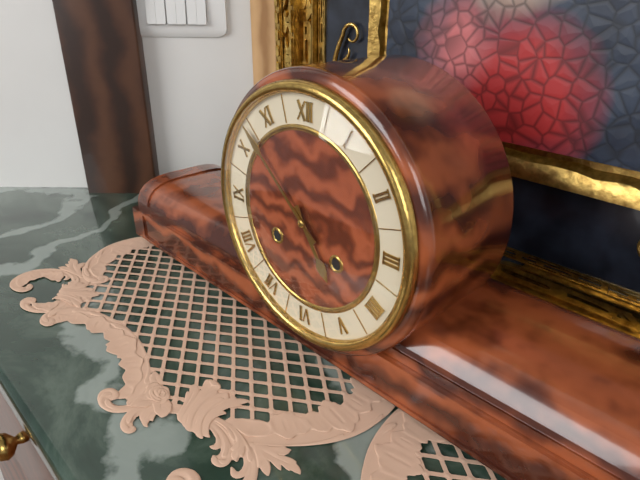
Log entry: 4,52
